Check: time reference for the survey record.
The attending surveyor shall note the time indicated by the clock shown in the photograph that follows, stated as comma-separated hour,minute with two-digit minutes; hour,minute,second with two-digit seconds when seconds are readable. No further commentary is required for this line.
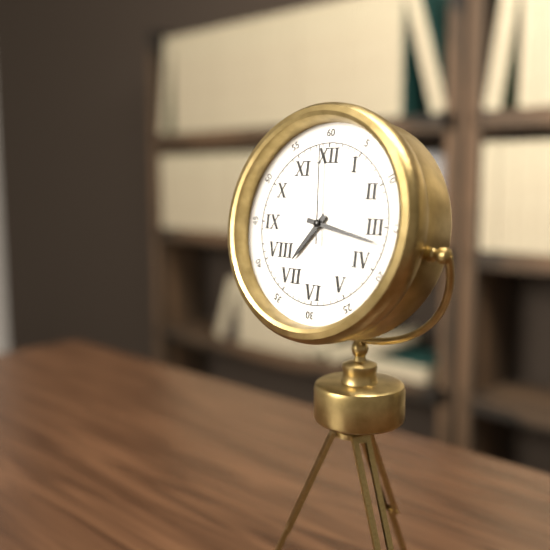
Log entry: 7,17,59
